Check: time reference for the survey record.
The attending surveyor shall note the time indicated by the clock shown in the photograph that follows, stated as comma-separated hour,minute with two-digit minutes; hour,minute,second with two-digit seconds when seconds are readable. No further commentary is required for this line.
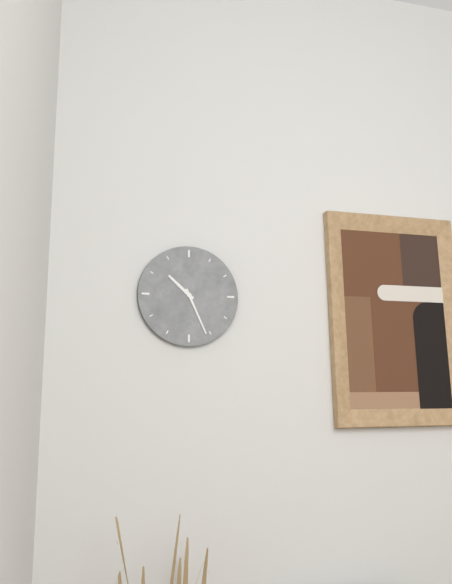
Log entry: 10,26
